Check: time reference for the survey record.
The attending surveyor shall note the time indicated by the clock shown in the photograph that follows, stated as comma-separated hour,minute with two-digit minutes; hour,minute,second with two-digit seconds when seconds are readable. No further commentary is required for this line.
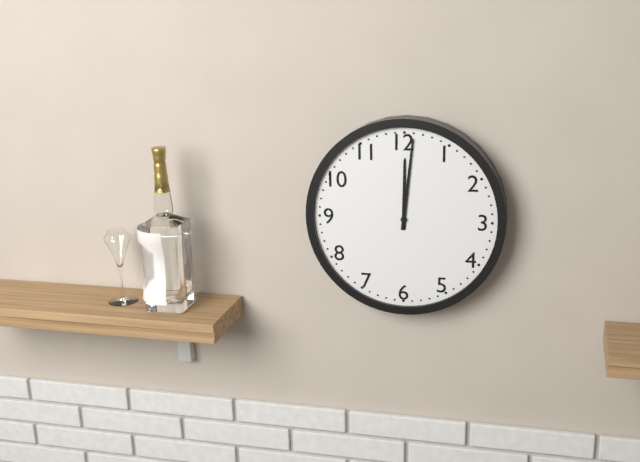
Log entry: 12,01
